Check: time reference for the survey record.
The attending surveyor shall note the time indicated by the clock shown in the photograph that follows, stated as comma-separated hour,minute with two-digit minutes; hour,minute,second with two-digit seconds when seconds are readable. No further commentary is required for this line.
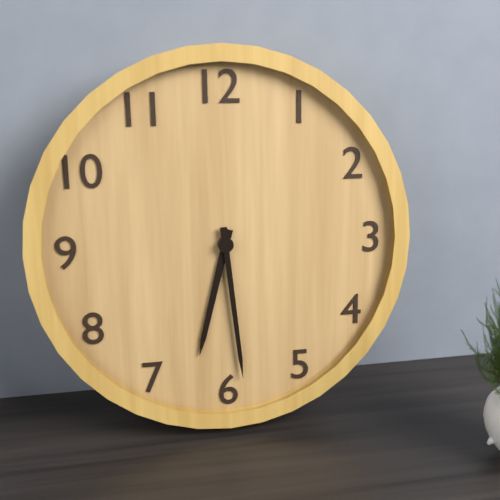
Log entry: 6,29
